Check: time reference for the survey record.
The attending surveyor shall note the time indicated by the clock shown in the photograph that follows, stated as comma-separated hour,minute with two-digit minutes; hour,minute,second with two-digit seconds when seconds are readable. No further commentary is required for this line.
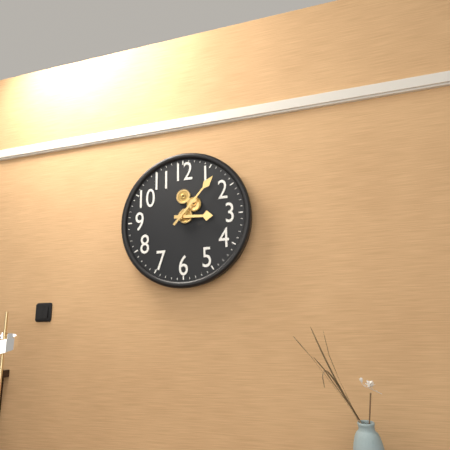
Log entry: 3,07
